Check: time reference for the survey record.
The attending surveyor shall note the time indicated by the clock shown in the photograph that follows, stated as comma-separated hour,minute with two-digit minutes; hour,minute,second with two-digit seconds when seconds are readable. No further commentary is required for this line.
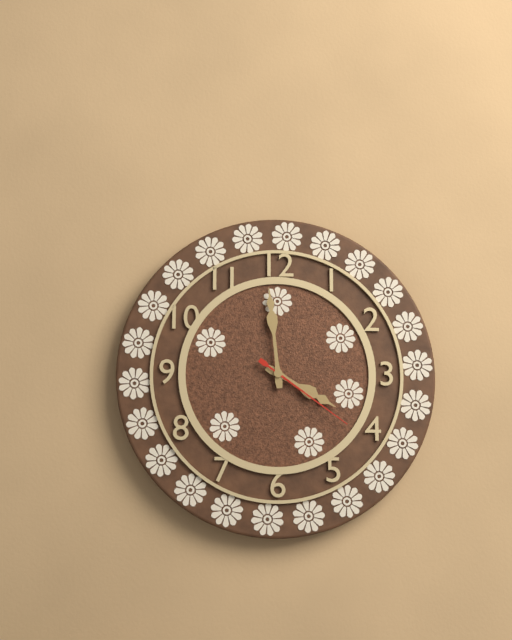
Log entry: 3,59,21
